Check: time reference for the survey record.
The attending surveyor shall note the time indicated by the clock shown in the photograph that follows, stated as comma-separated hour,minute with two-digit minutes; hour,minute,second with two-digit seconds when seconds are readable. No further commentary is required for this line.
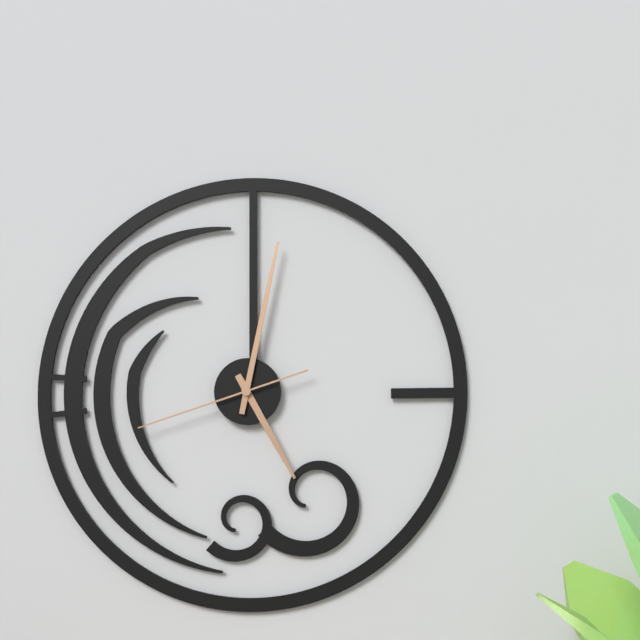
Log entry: 5,02,42
